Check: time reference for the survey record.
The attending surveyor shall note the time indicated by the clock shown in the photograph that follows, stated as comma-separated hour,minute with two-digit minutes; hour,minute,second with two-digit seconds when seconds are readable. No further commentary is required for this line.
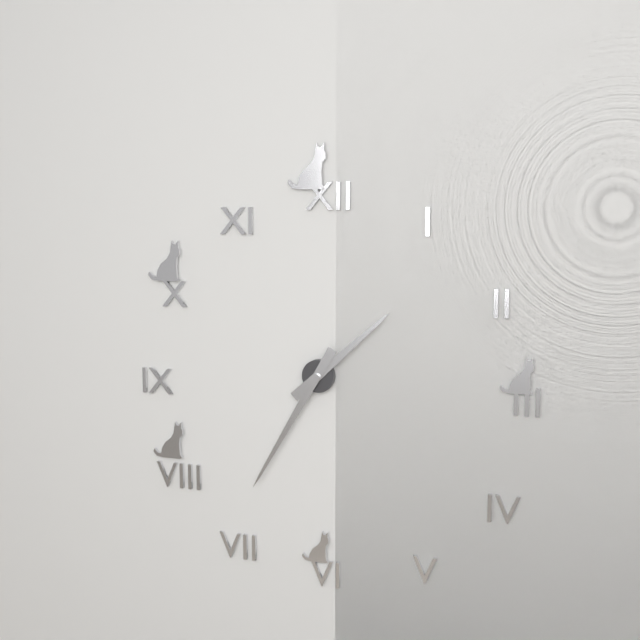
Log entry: 1,35
